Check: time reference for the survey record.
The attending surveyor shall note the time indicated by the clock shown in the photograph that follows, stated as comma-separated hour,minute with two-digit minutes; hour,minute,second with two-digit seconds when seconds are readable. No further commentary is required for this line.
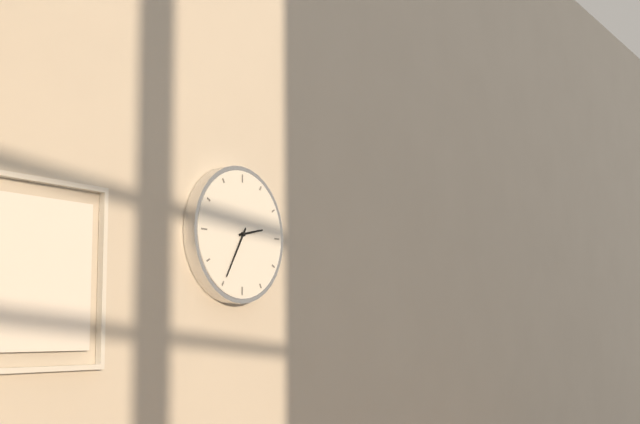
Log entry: 2,35
